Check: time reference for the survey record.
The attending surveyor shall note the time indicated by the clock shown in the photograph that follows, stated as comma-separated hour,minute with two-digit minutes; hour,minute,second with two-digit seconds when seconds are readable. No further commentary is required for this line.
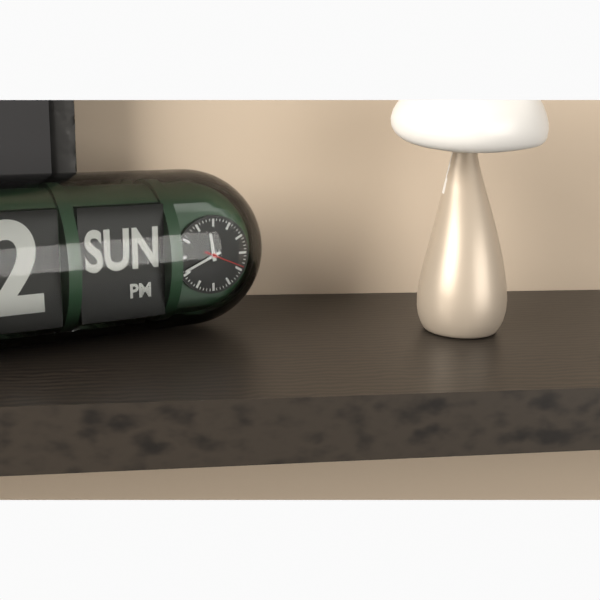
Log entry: 11,41
